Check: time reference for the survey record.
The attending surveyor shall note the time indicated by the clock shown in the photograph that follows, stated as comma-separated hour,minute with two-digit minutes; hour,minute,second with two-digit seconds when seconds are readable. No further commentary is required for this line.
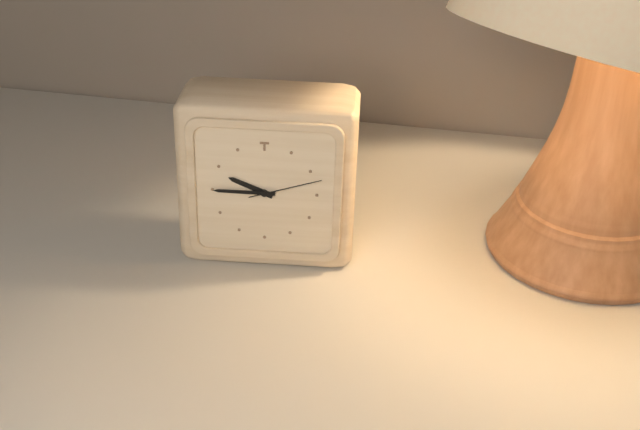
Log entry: 9,45,12
